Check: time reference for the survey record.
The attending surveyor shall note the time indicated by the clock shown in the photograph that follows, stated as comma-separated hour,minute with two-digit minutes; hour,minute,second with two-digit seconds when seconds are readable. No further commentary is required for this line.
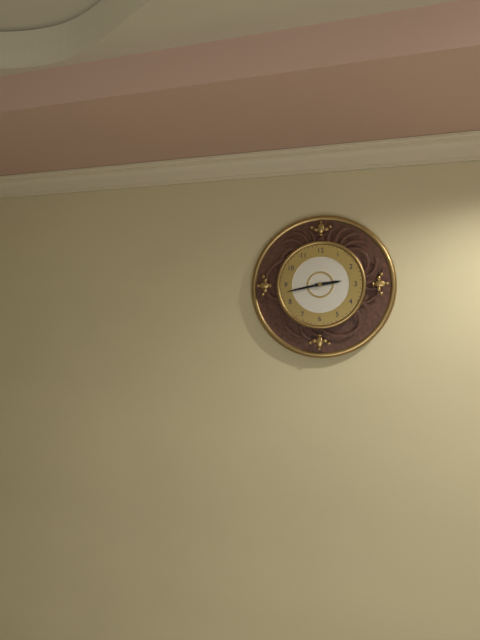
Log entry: 2,43
